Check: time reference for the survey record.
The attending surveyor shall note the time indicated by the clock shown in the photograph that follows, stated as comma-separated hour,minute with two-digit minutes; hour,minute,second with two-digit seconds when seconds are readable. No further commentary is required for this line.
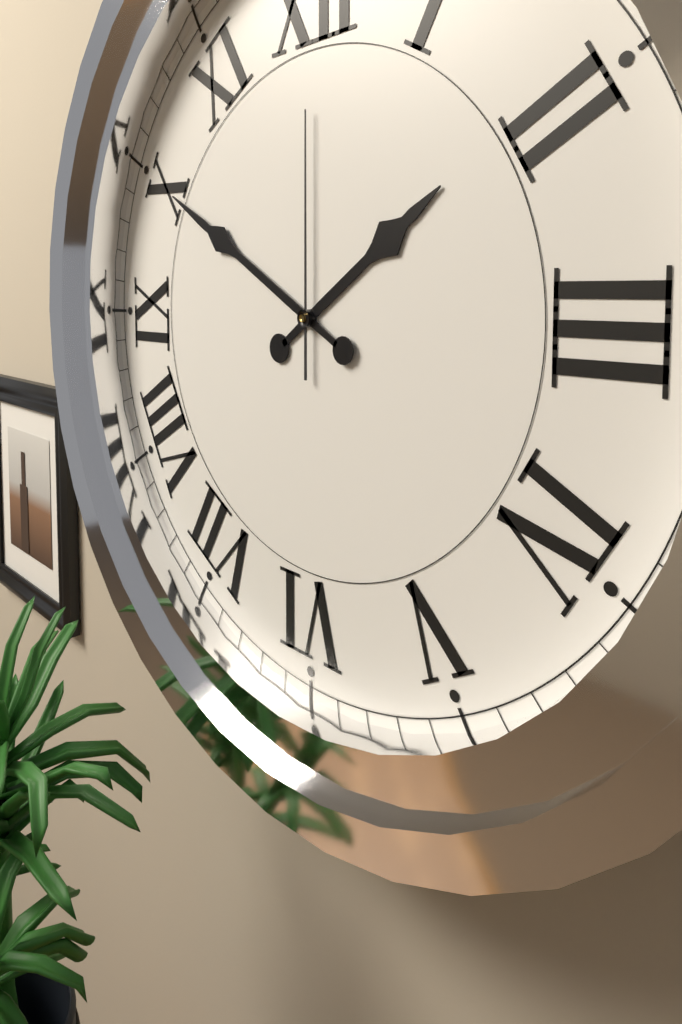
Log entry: 1,50,00
